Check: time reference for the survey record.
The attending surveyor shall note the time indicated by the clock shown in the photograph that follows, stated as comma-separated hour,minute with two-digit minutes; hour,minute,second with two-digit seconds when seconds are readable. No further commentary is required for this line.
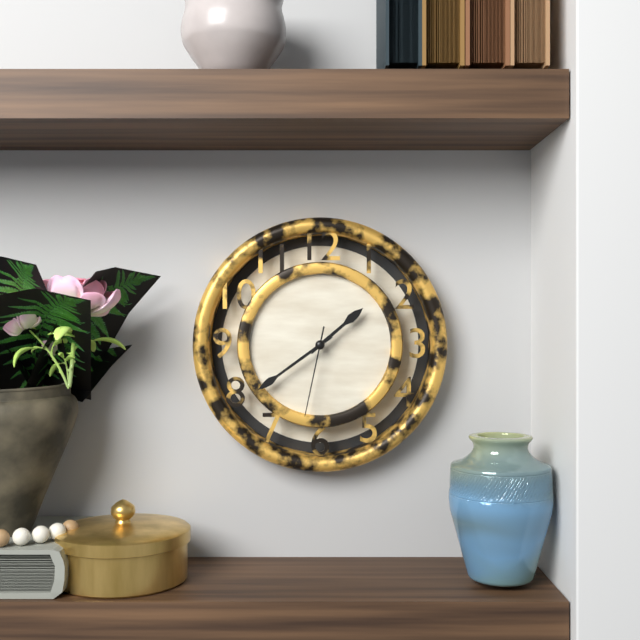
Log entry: 1,39,32
